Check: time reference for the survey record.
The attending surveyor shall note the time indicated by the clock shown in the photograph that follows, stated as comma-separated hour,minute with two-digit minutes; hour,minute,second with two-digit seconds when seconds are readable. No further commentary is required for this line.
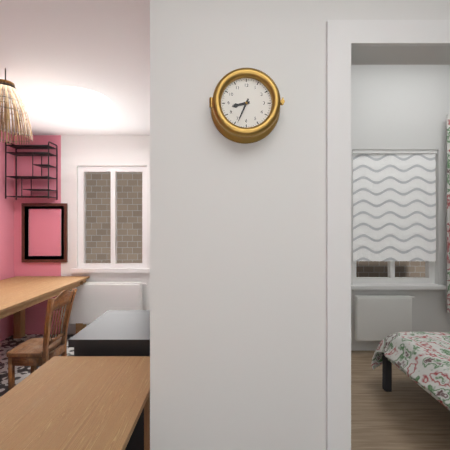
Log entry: 8,34
